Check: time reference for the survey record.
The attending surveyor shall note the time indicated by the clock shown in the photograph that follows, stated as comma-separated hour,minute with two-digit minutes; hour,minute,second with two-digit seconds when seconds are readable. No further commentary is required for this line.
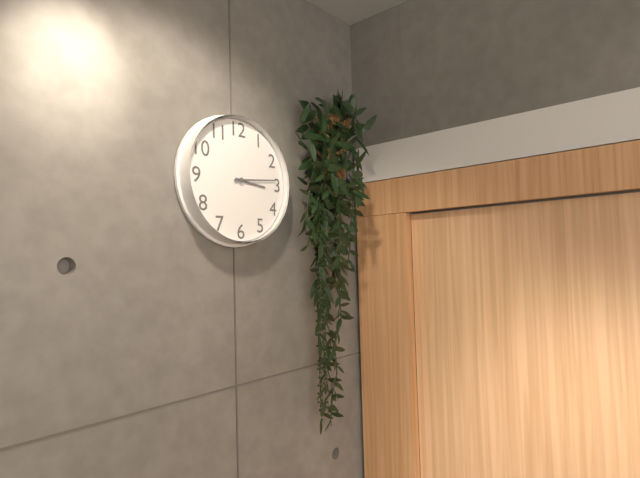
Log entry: 3,14
